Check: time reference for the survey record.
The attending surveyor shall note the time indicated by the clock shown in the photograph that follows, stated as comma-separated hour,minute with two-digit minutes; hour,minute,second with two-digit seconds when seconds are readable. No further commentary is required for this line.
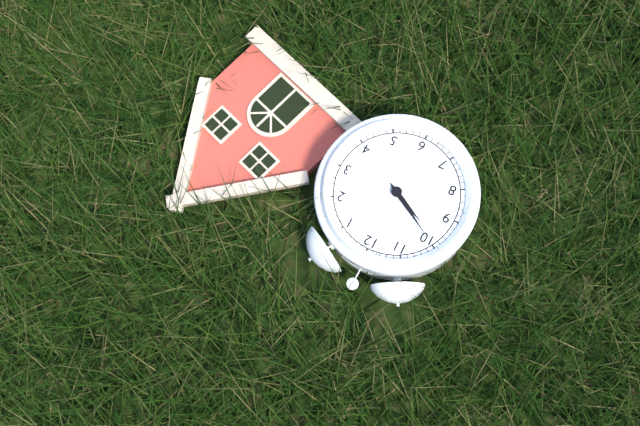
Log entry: 9,50
